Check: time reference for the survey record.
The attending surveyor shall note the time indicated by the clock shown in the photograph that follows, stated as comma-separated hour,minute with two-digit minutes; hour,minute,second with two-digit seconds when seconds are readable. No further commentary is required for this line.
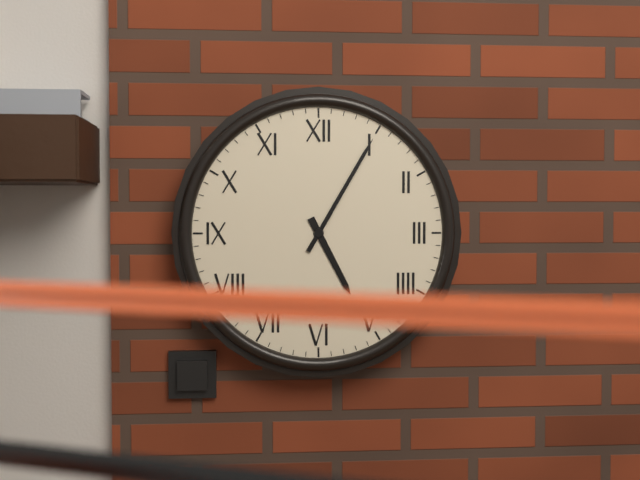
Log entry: 5,05
